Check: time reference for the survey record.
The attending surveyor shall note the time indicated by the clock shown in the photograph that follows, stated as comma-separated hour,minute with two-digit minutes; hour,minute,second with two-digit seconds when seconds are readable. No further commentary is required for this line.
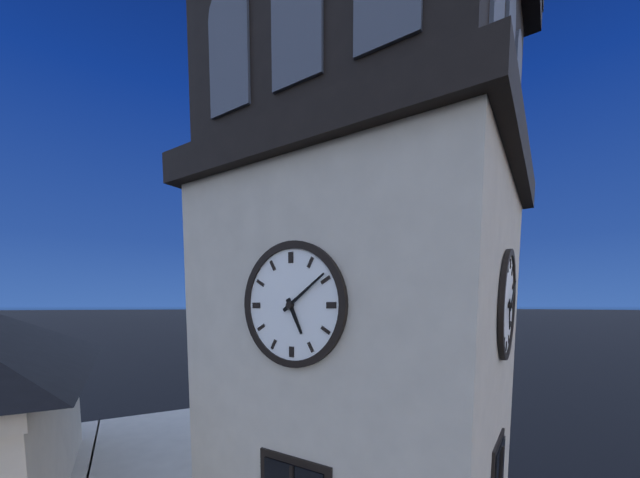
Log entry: 5,09
